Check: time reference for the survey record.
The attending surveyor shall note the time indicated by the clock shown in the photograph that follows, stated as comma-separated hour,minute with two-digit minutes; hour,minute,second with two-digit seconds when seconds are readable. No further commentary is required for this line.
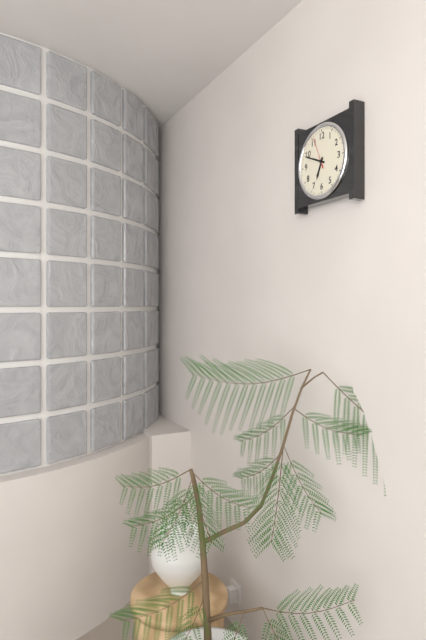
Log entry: 6,49
